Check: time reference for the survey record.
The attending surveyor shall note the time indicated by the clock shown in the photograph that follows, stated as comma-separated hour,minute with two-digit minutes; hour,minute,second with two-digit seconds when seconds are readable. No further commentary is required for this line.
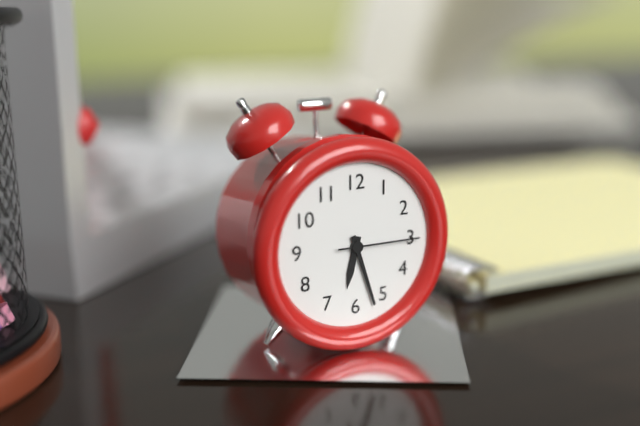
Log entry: 6,27,15
